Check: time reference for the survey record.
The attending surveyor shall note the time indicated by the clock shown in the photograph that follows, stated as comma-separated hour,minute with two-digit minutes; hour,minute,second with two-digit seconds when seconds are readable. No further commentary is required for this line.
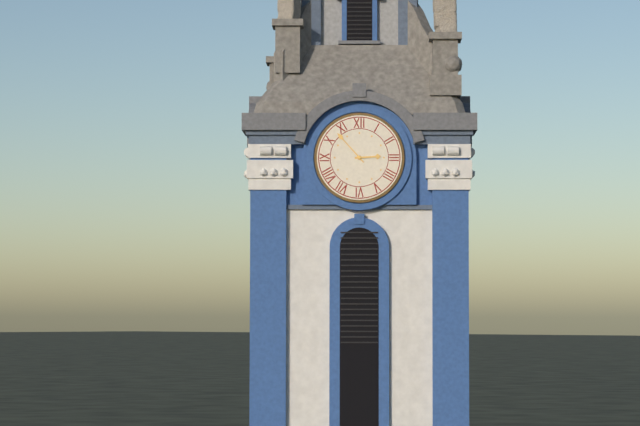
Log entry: 2,53
